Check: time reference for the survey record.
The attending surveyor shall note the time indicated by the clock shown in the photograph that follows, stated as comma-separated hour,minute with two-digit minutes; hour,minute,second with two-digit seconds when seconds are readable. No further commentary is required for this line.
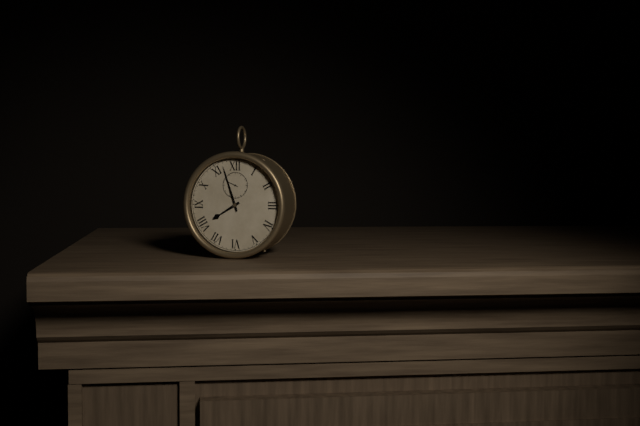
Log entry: 7,57
